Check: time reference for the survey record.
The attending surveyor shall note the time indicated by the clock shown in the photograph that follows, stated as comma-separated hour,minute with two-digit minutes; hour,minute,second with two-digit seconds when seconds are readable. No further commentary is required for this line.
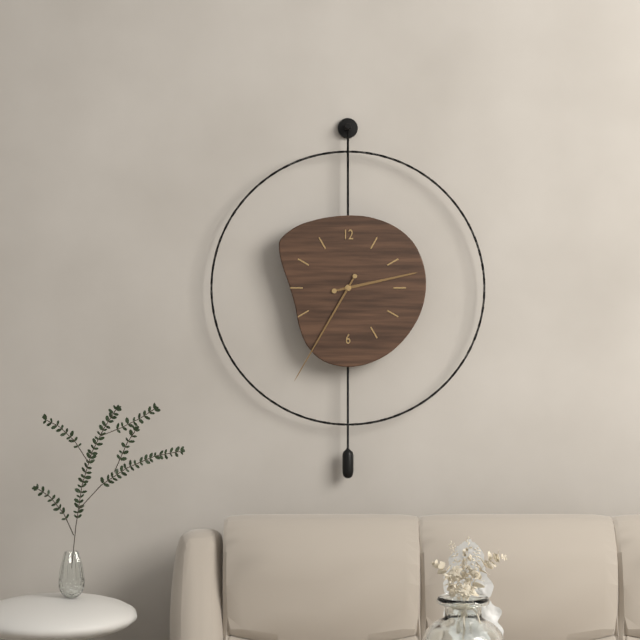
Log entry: 2,35
